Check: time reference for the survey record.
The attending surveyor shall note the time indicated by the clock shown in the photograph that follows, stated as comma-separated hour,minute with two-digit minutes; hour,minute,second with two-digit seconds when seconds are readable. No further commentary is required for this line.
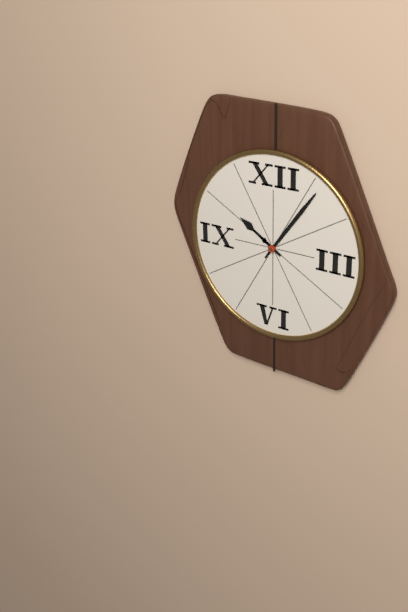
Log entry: 10,06
